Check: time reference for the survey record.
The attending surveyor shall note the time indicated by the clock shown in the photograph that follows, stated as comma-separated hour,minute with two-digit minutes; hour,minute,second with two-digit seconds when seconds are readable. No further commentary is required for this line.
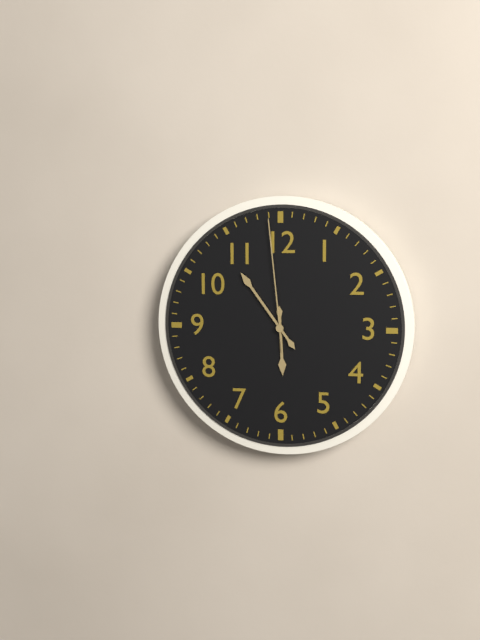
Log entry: 5,54,59
